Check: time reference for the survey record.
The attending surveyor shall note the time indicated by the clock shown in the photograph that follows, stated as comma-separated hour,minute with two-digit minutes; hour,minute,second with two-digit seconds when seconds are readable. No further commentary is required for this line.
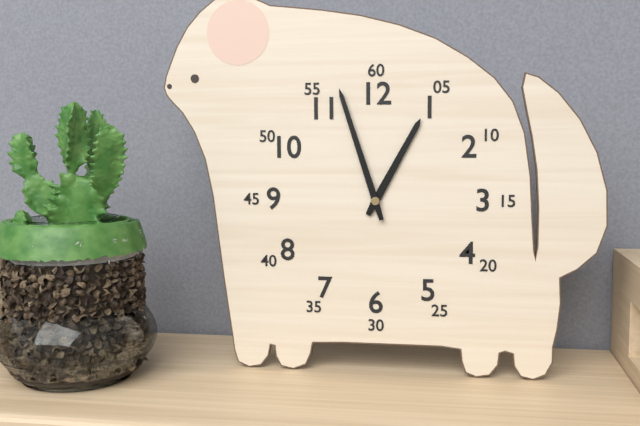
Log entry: 12,57
